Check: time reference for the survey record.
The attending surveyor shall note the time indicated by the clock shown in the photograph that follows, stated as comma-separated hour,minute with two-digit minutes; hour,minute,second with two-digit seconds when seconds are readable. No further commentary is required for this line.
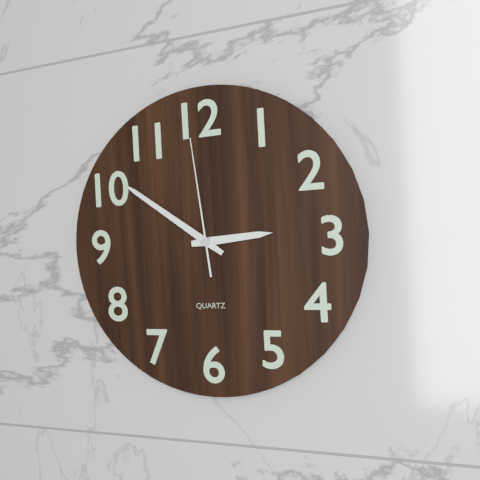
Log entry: 2,51,59
